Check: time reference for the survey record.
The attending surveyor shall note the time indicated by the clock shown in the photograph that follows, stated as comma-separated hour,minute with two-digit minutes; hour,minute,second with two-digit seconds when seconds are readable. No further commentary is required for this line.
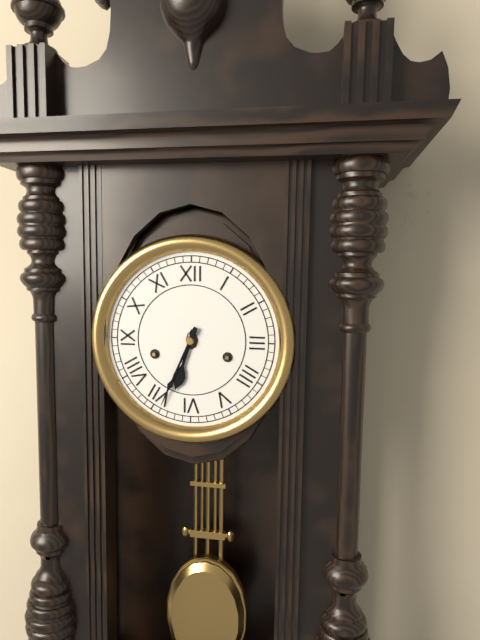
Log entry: 6,34
